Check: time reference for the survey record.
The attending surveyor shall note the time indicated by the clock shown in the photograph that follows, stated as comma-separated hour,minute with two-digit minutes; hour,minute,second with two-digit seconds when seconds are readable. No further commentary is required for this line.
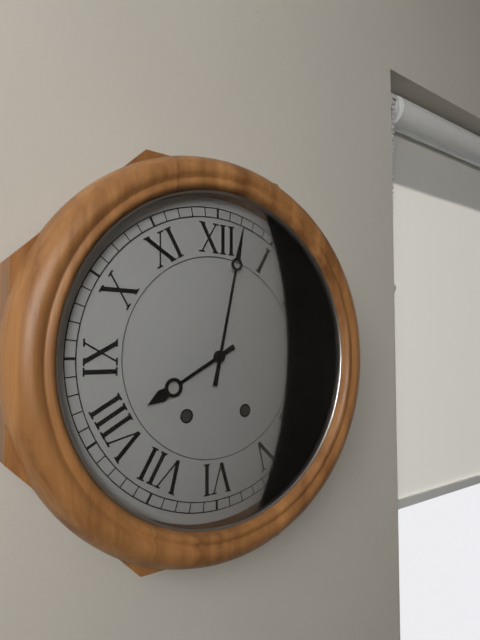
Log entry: 8,02
